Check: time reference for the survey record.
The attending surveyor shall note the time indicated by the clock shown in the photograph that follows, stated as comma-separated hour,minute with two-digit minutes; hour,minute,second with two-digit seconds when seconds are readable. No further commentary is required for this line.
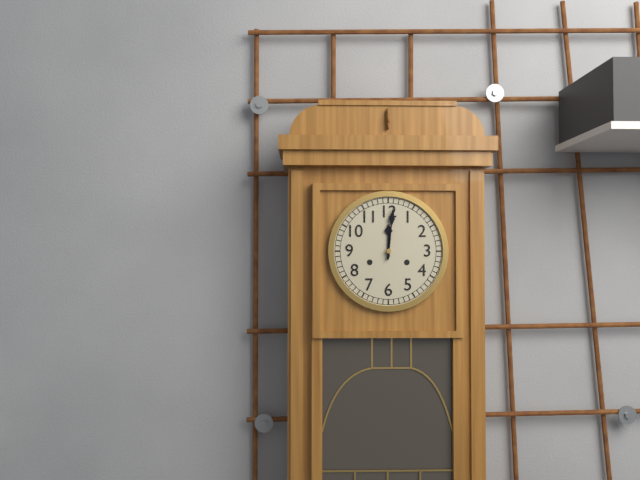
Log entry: 12,01
